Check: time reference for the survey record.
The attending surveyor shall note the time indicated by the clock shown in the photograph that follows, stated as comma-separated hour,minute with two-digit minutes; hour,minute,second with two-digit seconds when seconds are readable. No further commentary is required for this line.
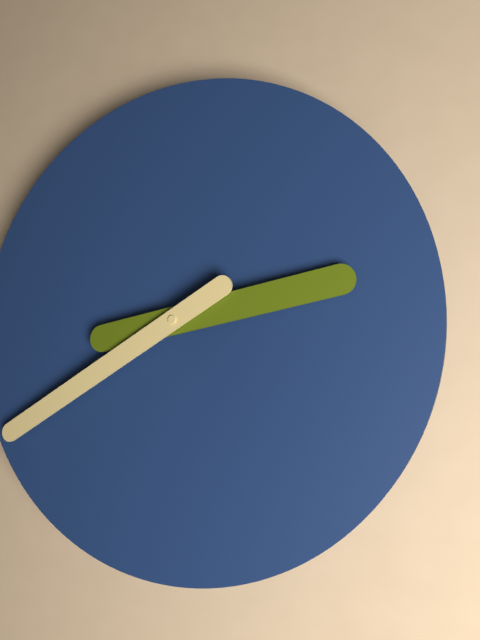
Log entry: 2,40
